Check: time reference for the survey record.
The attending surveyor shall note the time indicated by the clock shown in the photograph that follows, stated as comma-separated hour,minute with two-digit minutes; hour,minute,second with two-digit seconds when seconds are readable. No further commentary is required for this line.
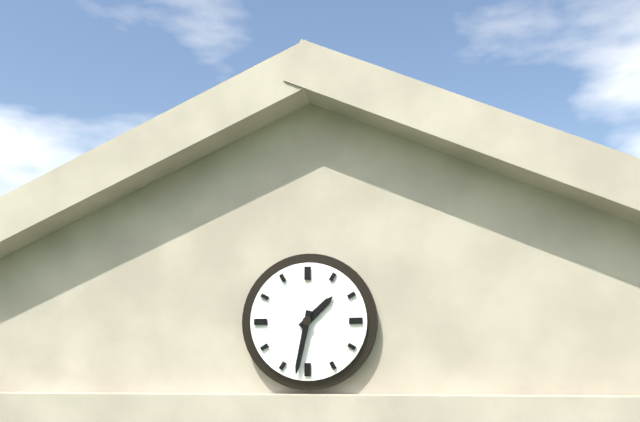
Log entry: 1,32
